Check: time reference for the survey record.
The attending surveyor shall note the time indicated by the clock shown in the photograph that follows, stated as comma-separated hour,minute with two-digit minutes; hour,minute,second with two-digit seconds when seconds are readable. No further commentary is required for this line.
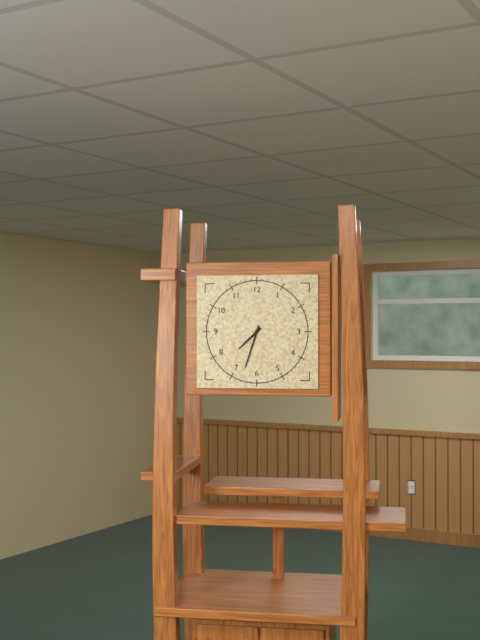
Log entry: 7,33
